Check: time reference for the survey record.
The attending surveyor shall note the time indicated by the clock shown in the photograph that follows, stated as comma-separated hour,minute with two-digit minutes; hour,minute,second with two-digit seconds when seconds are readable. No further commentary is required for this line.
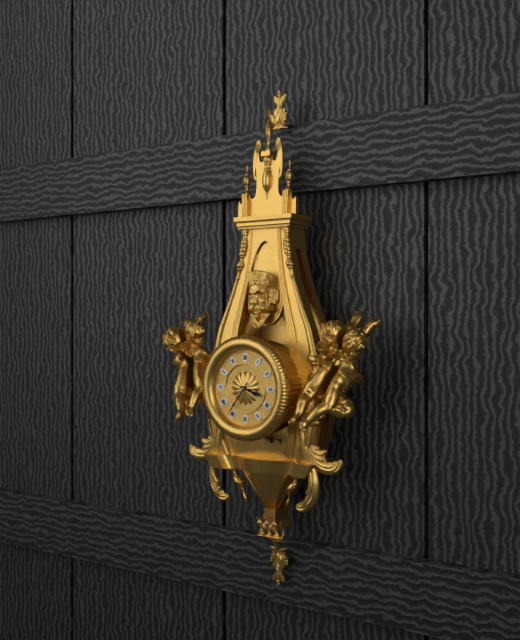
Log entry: 3,36
